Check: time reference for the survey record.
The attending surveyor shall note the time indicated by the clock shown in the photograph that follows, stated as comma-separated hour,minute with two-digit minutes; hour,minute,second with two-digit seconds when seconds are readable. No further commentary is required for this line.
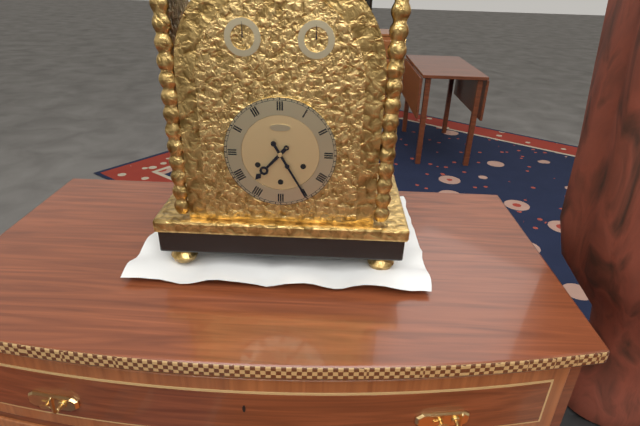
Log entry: 7,25
